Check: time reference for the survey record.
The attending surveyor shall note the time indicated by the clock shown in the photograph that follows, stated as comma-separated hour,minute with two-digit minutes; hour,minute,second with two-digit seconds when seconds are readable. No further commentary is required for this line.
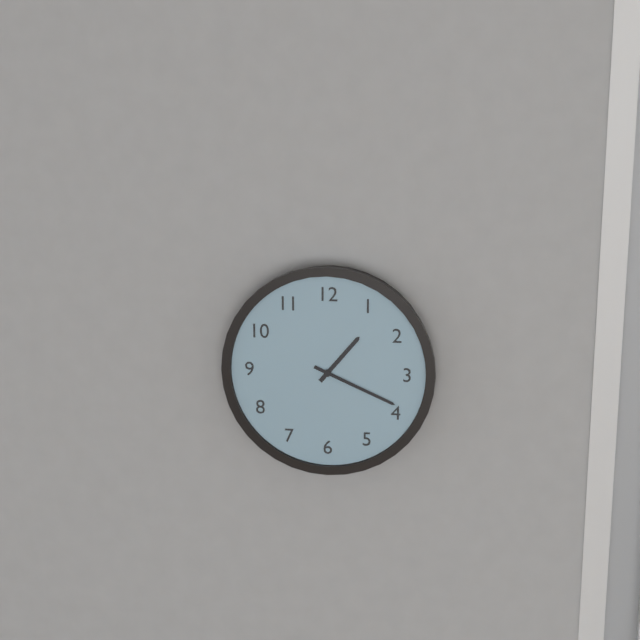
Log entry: 1,19
